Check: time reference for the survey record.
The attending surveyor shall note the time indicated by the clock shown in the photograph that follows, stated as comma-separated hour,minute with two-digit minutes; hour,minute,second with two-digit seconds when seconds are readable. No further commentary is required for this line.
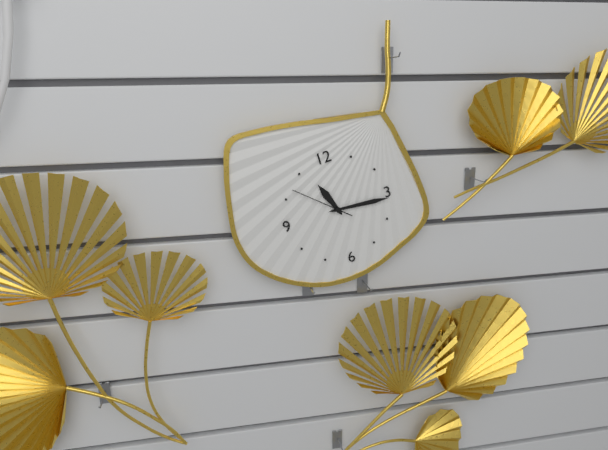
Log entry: 11,16,52
